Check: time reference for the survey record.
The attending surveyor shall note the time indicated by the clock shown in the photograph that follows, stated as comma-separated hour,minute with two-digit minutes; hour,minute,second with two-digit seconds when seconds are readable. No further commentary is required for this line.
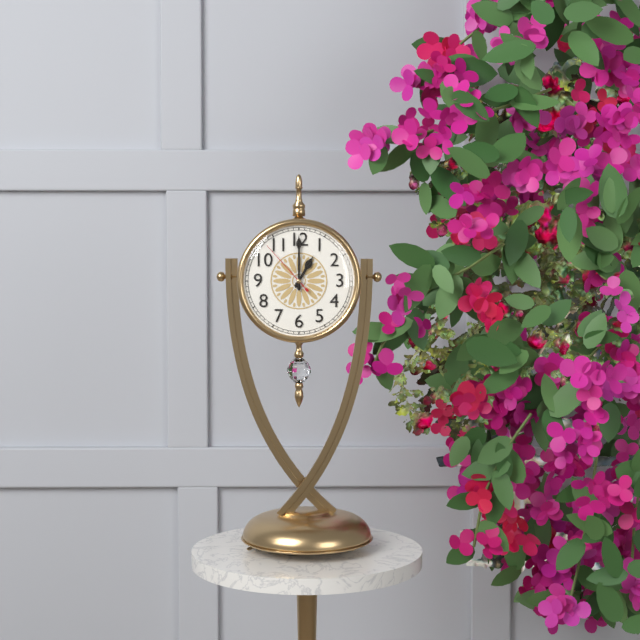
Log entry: 1,00,53
